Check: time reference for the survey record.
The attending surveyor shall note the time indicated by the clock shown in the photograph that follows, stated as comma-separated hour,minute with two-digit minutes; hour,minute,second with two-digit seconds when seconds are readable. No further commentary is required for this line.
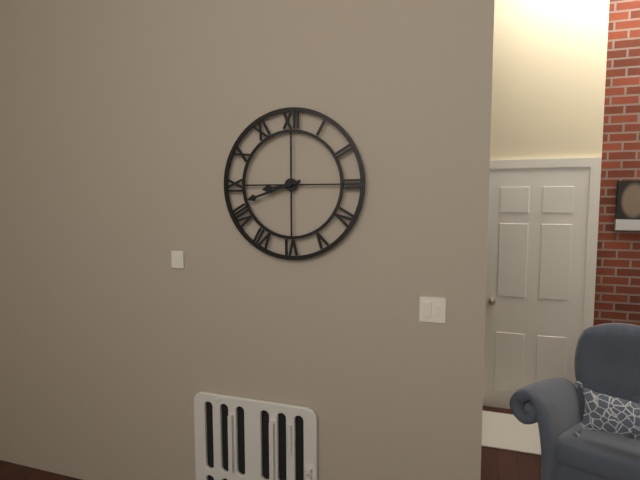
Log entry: 8,42
